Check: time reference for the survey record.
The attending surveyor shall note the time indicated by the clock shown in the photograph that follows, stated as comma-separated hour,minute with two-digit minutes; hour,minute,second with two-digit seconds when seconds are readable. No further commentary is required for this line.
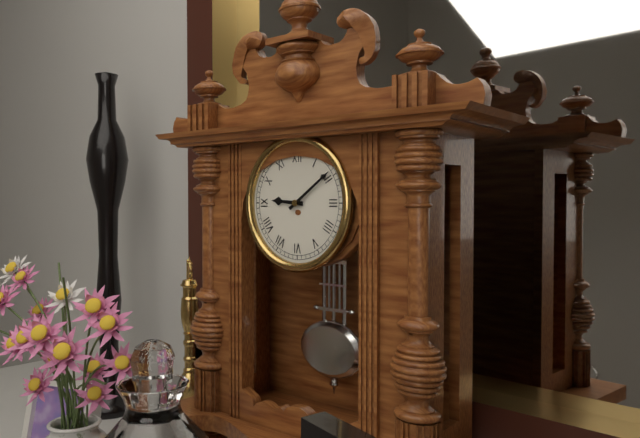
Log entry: 9,09
